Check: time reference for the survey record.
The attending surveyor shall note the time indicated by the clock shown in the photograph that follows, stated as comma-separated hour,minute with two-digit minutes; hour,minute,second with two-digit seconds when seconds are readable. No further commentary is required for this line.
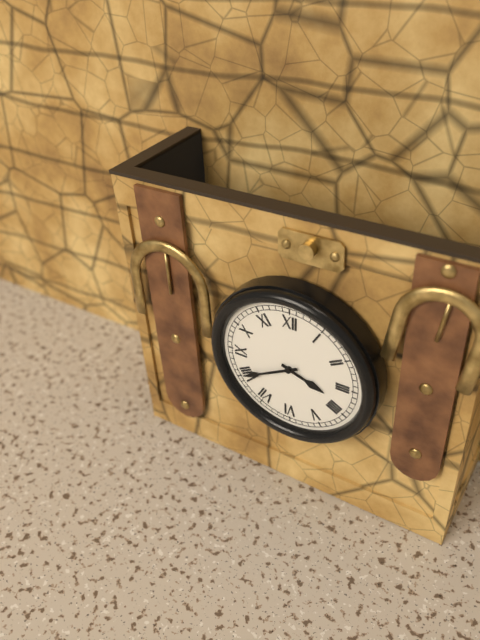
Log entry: 3,40
